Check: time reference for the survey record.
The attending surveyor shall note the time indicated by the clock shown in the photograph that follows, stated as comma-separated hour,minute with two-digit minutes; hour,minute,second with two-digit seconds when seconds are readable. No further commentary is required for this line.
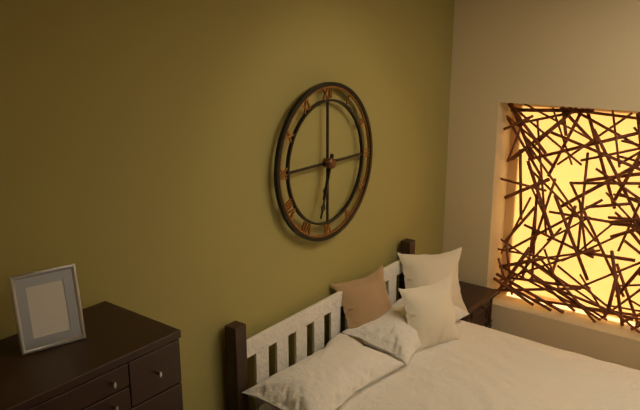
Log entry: 6,33
